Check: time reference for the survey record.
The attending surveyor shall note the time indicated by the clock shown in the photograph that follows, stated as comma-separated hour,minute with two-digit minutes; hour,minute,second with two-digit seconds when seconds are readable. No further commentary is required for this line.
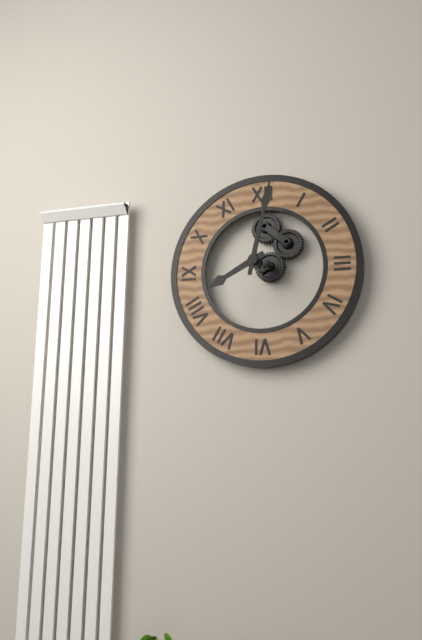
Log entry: 8,02
